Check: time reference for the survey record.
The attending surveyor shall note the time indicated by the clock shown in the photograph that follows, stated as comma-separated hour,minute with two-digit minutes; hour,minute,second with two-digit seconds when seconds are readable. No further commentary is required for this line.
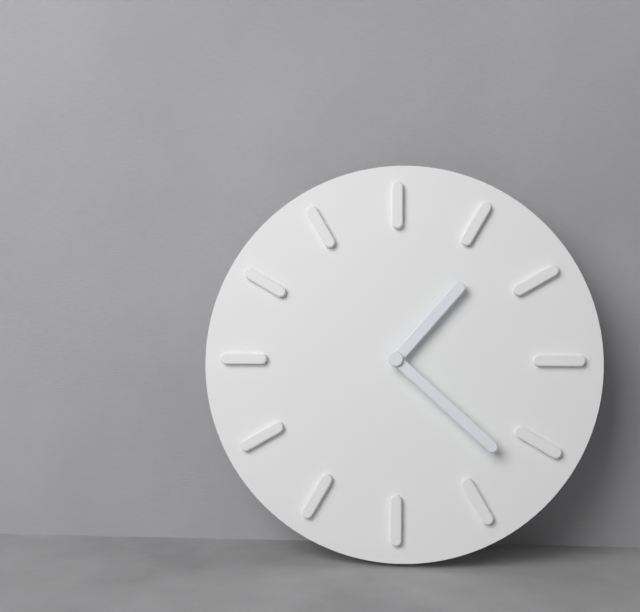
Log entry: 1,22
